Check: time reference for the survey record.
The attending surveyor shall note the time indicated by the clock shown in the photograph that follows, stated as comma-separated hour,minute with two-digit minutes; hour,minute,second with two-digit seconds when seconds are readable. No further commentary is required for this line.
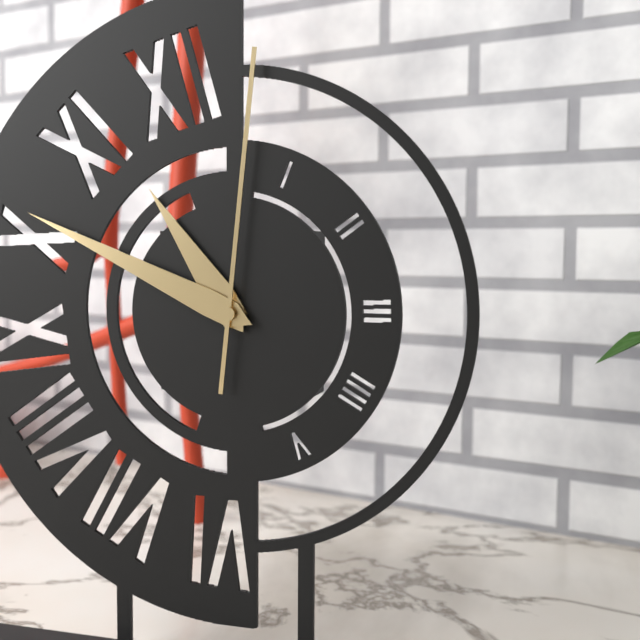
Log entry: 10,49,01
